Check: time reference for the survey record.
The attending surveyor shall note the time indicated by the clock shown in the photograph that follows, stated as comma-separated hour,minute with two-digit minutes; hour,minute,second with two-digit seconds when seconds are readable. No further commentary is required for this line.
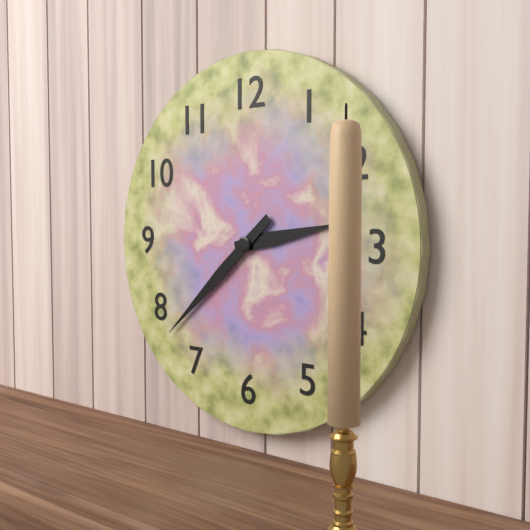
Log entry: 2,38
